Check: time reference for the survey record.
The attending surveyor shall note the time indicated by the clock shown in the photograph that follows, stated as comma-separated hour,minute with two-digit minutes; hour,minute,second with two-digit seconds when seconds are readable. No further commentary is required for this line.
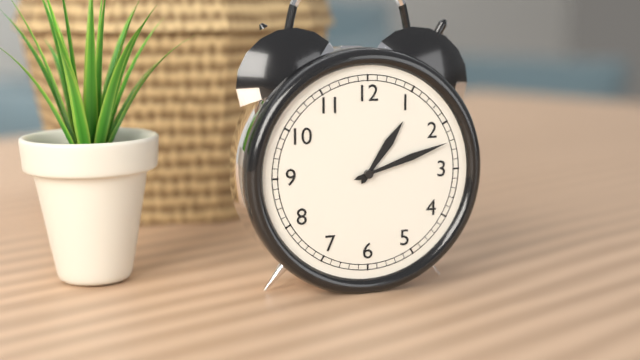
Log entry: 1,12
